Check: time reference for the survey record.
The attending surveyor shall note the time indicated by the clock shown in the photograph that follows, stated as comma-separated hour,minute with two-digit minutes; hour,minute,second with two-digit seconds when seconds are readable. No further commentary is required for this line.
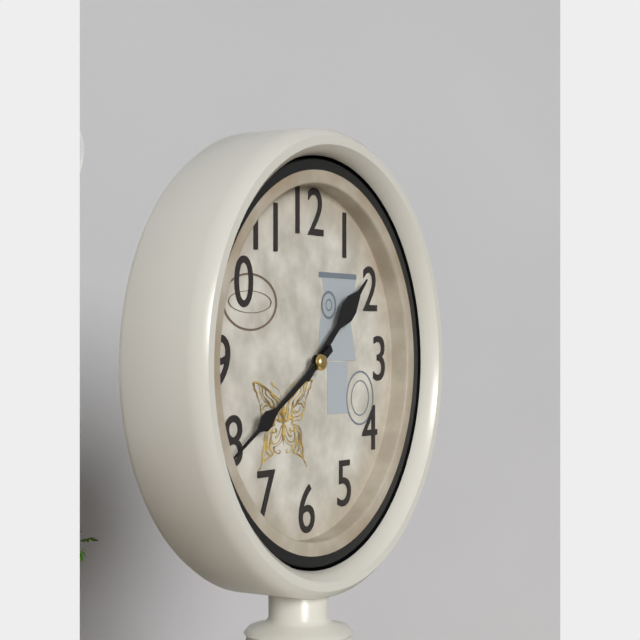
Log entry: 1,40
